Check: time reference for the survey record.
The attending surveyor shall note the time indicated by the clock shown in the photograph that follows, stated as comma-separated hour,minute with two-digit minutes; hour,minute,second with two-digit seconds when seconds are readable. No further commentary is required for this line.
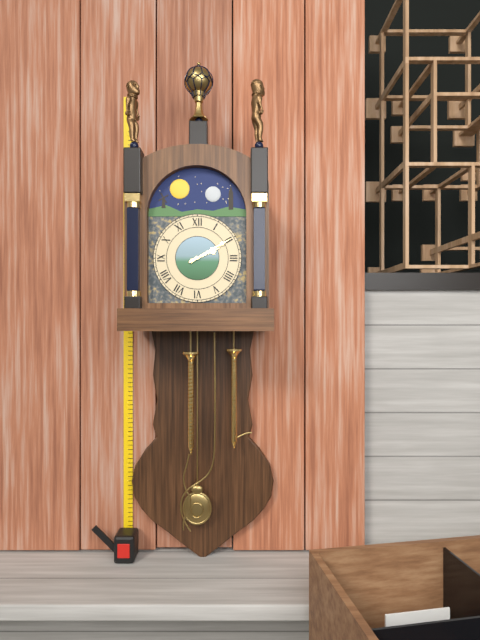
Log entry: 2,10
